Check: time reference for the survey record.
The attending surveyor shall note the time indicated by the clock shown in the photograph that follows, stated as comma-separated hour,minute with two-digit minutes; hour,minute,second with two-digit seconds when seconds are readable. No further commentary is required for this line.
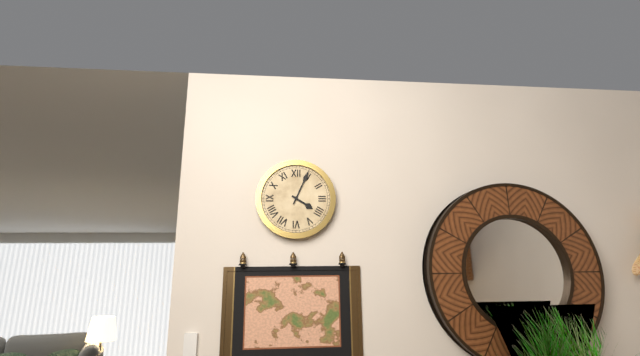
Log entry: 4,04
